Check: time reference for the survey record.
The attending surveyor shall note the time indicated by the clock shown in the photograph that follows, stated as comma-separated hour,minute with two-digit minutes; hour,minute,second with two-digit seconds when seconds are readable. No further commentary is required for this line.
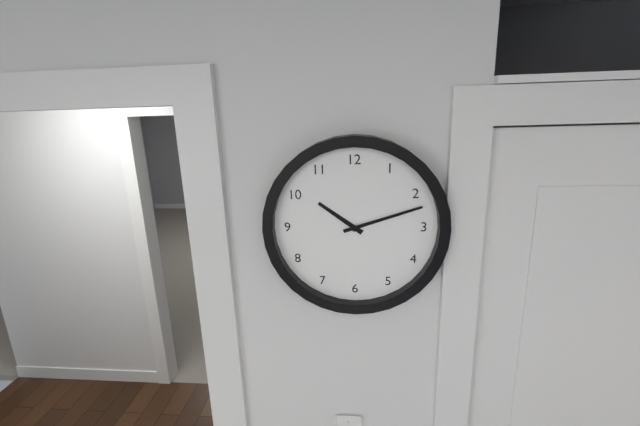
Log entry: 10,12
